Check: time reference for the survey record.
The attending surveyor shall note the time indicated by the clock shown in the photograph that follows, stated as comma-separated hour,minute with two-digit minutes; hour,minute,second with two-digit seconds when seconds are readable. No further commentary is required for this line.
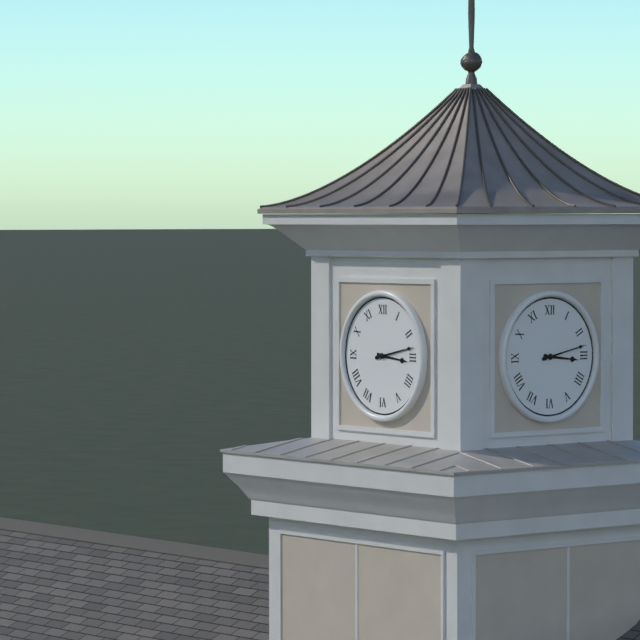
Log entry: 3,13
